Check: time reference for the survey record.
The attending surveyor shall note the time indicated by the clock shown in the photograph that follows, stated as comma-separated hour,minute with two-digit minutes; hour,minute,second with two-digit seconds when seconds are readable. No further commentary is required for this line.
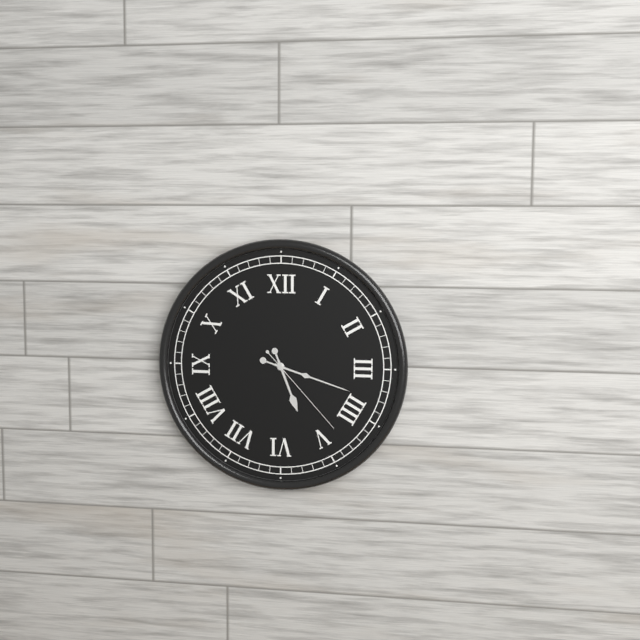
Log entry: 5,18,23
